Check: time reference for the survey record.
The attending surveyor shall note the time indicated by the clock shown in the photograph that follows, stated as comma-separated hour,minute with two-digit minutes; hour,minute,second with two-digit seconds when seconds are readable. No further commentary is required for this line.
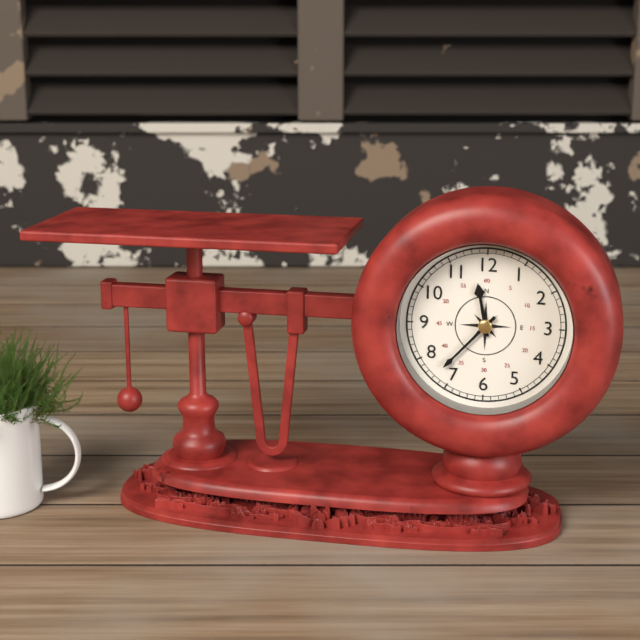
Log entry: 11,37
